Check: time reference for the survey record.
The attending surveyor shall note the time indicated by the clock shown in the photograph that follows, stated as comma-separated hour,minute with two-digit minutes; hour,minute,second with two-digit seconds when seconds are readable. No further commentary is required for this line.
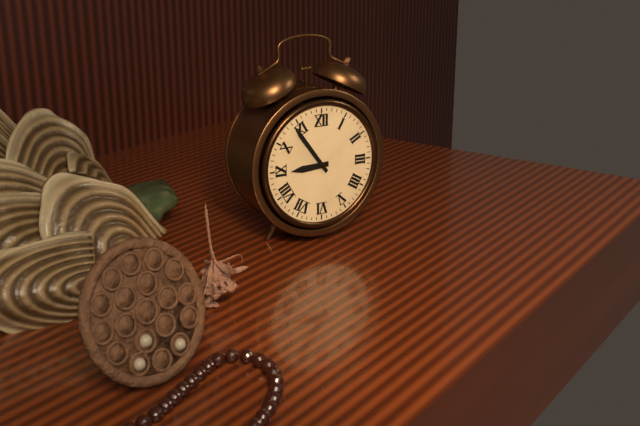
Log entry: 8,54
